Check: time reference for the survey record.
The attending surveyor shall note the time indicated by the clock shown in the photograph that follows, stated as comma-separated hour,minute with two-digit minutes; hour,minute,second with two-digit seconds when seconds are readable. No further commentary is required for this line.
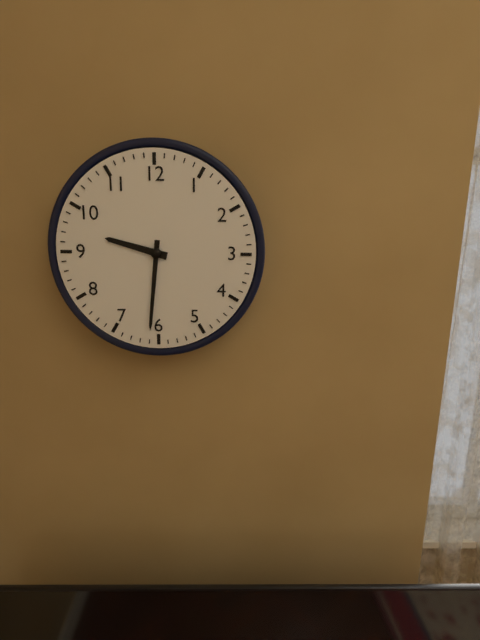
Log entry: 9,31
